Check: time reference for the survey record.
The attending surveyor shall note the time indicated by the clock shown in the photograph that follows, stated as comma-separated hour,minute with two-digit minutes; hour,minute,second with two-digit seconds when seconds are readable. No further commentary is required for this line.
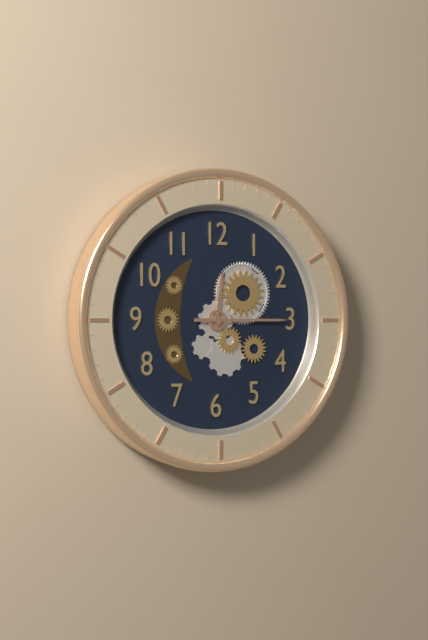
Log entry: 12,15
